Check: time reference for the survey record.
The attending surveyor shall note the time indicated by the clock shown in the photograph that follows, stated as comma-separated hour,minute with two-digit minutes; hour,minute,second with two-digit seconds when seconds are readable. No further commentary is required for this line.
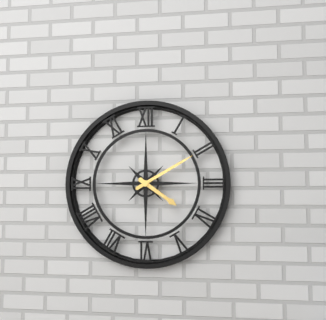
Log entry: 4,10
